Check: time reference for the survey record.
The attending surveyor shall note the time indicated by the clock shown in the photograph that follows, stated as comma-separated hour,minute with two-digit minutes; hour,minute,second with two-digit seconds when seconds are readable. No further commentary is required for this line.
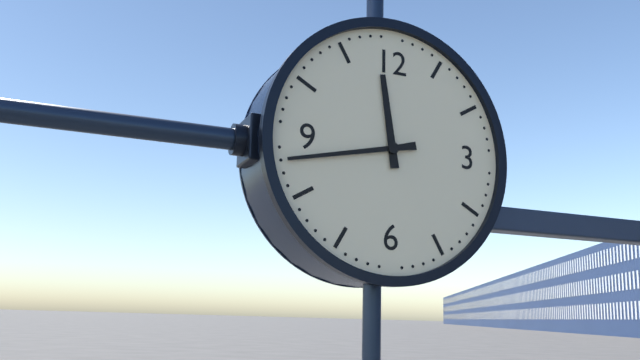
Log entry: 11,43
